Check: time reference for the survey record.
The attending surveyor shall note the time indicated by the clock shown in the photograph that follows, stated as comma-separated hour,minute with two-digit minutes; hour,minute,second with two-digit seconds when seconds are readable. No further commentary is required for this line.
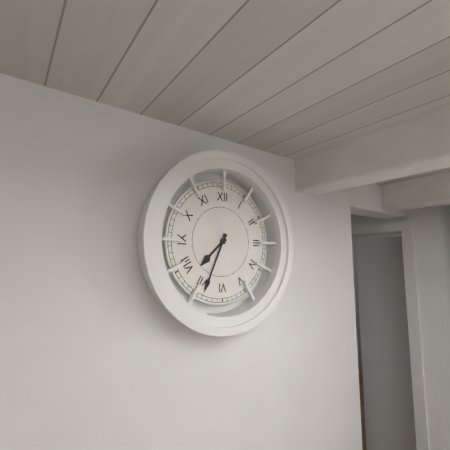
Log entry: 7,34
